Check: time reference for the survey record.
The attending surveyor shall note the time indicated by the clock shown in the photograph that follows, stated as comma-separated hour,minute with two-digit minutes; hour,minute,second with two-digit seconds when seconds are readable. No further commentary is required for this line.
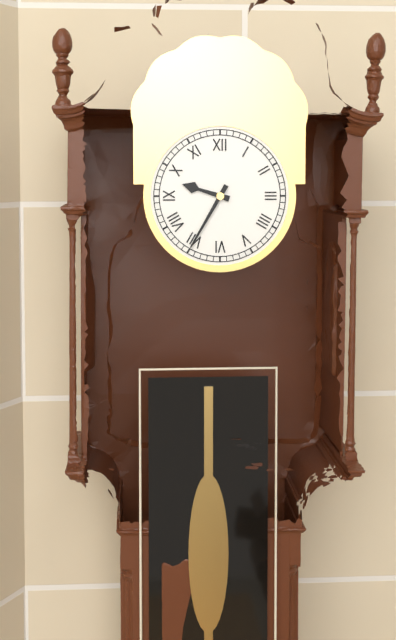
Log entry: 9,35
